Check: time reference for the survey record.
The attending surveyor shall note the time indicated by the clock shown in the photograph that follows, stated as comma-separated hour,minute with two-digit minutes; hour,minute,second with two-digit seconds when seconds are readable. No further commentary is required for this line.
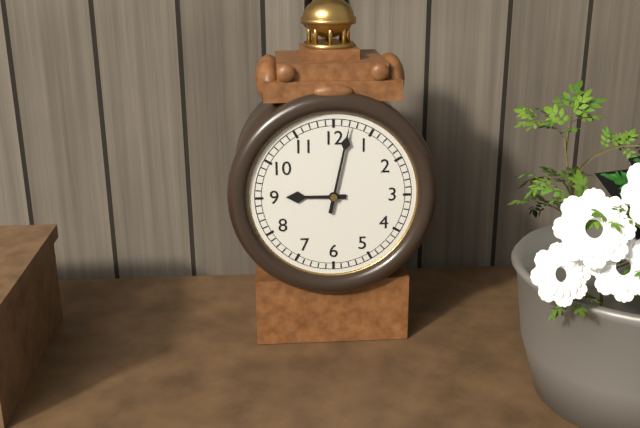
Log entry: 9,02
